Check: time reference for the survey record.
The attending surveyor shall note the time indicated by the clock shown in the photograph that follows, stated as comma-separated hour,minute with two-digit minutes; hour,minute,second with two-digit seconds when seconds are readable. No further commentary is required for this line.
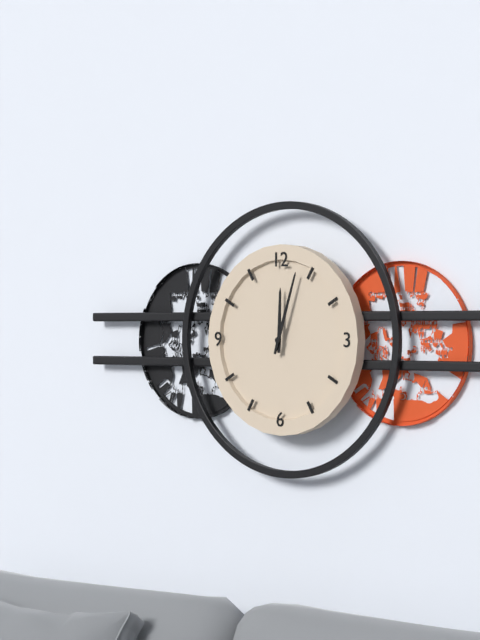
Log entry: 12,03
